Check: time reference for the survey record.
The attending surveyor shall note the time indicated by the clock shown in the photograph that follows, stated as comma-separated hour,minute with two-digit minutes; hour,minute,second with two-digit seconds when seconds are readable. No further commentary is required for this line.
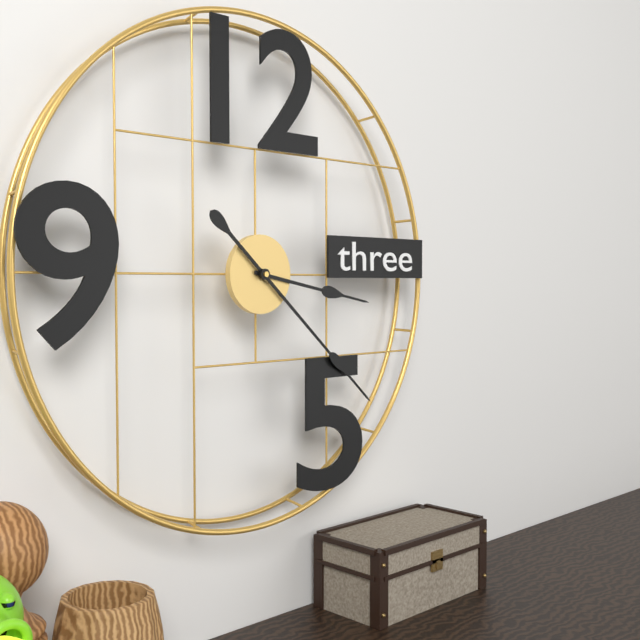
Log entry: 3,22
